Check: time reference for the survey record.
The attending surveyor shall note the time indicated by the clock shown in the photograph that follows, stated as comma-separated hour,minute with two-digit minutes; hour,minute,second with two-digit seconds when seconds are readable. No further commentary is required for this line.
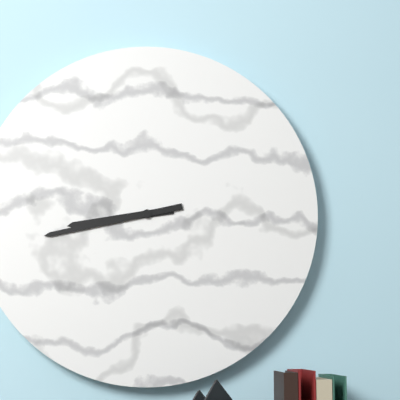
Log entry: 8,43
